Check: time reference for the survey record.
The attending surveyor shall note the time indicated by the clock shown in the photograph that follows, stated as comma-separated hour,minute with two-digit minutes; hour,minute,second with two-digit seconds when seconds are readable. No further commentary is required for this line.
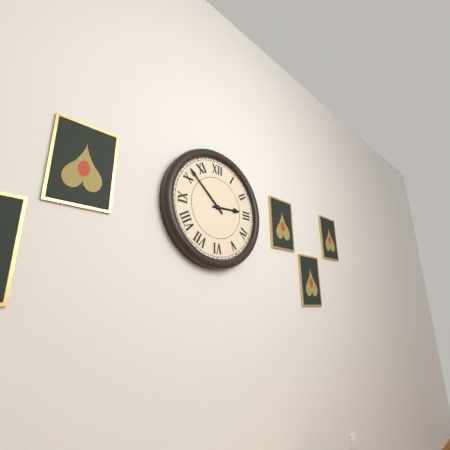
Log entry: 2,52
